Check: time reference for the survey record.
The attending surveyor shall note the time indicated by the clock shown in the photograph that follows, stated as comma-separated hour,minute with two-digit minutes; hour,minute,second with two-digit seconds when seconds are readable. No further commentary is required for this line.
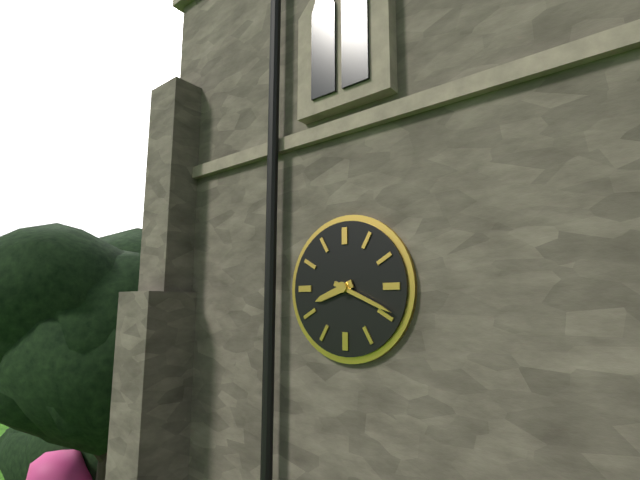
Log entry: 8,19
